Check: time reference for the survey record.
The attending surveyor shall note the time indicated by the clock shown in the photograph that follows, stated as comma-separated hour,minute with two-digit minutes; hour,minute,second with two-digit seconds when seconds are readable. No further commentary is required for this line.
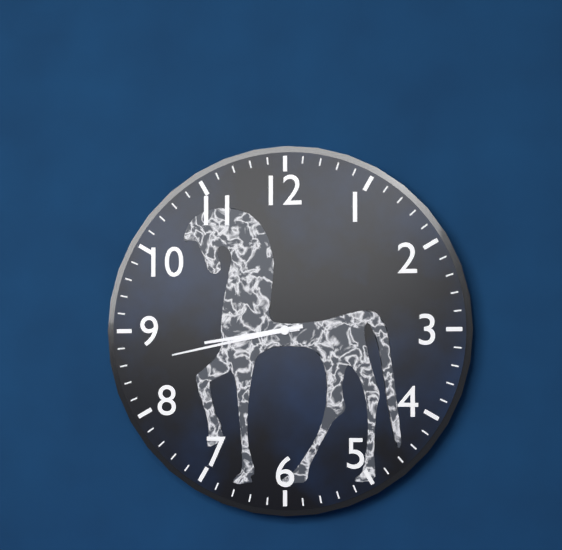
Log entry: 8,43
